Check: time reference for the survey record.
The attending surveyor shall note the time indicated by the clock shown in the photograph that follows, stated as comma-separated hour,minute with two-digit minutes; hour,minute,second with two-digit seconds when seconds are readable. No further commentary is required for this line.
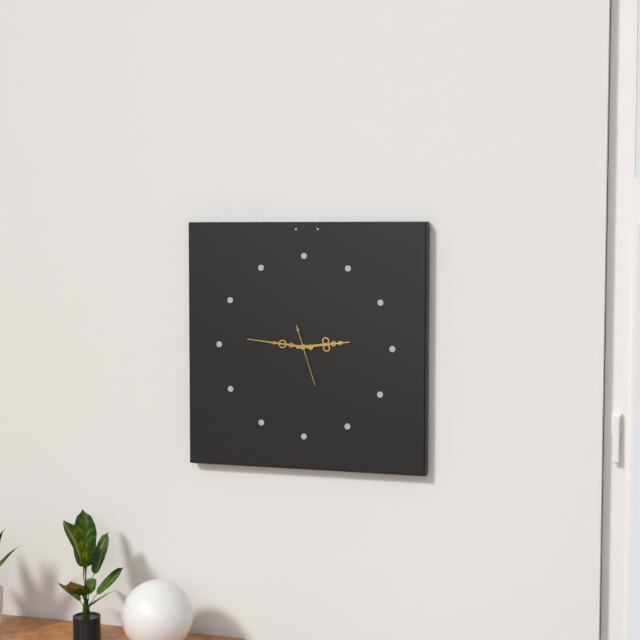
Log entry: 2,46,27
